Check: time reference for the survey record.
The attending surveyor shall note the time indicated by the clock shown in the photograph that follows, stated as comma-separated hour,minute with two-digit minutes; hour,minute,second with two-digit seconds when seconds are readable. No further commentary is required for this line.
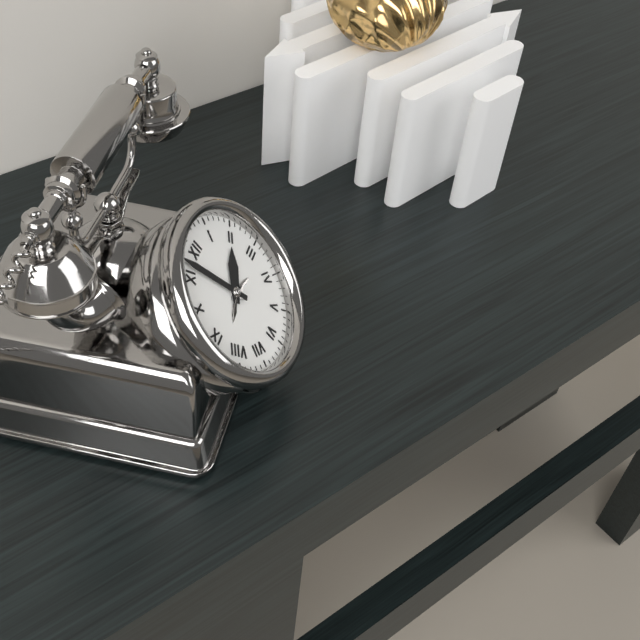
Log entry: 1,57
